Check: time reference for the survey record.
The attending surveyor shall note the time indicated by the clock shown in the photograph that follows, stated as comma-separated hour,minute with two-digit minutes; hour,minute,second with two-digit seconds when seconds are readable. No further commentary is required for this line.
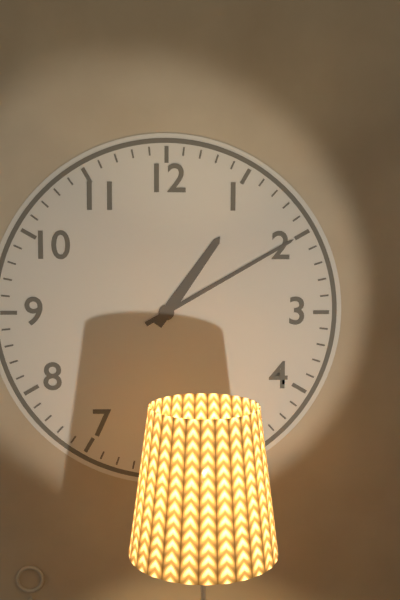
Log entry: 1,10
